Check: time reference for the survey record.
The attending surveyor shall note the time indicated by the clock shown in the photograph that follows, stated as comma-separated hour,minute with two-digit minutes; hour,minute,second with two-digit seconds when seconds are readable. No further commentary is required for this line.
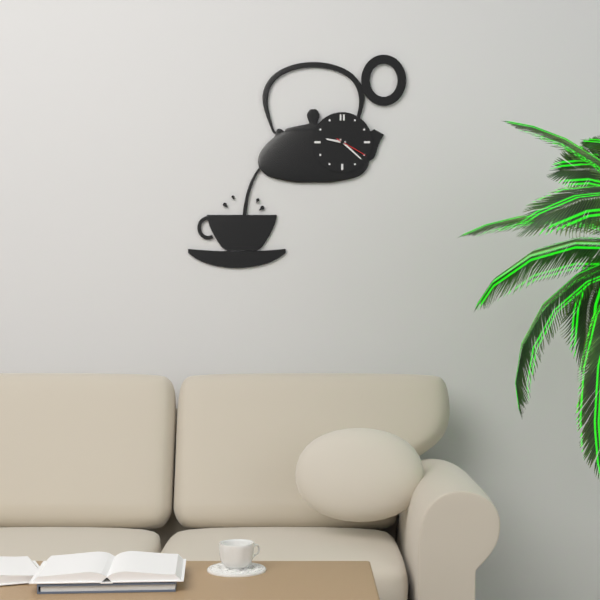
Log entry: 9,22
